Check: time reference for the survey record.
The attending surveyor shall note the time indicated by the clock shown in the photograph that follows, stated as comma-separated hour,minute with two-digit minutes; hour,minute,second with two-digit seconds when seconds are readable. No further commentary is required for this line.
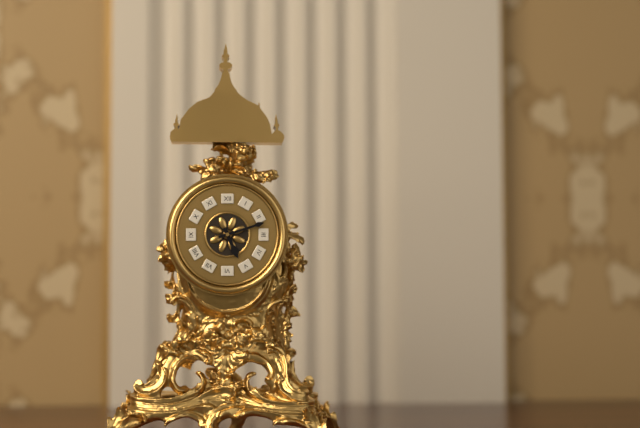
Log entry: 5,12
